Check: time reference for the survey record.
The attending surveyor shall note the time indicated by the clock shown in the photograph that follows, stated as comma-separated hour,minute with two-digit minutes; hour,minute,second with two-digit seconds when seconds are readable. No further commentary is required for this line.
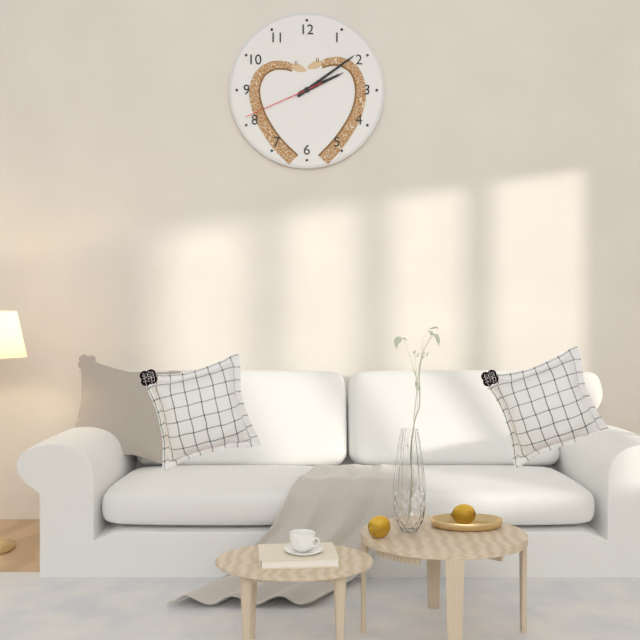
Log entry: 2,09,41
